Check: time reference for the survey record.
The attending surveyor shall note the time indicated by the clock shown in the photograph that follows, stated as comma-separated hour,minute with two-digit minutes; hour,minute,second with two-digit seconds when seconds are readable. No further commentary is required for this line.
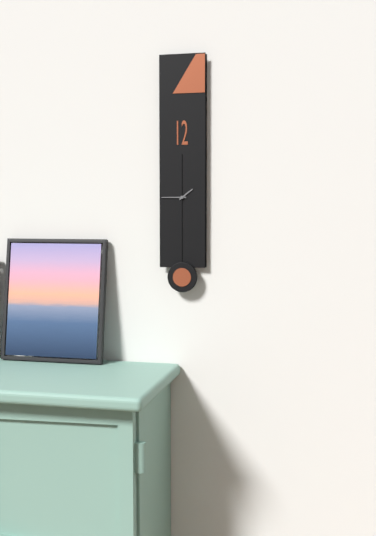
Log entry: 1,45
